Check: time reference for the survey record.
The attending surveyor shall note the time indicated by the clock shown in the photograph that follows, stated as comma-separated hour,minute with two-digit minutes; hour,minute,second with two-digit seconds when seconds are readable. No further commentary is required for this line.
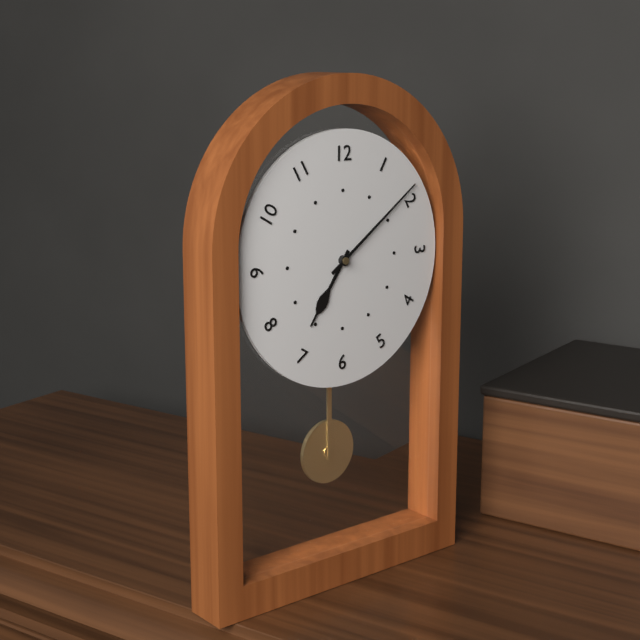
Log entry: 7,09
